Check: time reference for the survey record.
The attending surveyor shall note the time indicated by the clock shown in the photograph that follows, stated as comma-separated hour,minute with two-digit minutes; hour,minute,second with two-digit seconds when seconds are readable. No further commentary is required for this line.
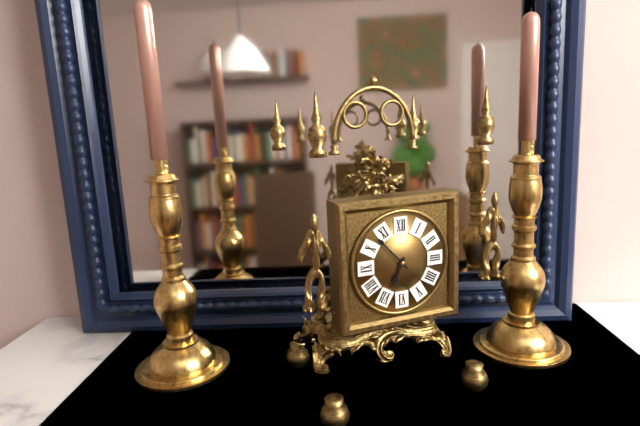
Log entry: 6,53
